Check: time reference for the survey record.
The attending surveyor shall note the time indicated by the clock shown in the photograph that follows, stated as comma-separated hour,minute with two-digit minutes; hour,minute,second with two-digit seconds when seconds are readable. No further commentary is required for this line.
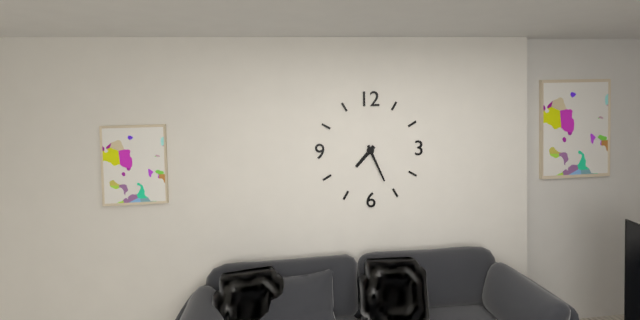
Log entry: 7,26
